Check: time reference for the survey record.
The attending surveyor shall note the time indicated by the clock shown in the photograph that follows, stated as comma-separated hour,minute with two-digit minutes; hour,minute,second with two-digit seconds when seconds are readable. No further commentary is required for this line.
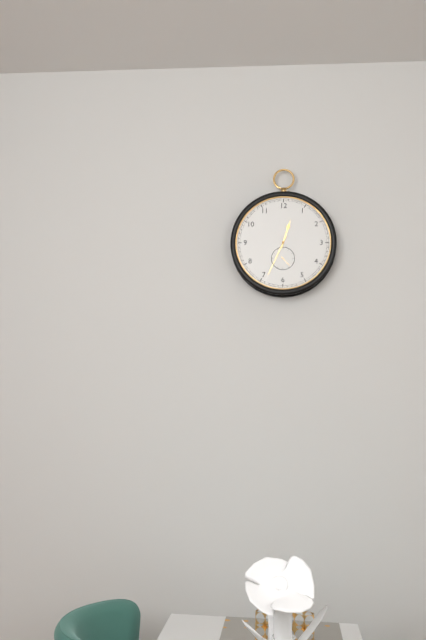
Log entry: 12,34
